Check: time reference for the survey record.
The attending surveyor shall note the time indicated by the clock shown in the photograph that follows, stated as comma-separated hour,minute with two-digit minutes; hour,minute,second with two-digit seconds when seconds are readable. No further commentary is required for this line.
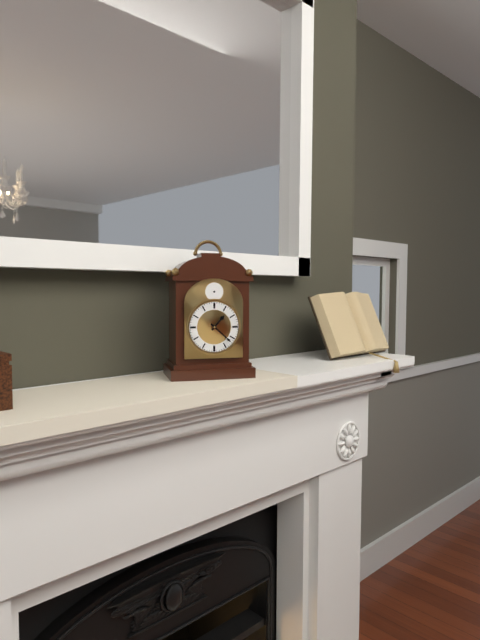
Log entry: 1,22
